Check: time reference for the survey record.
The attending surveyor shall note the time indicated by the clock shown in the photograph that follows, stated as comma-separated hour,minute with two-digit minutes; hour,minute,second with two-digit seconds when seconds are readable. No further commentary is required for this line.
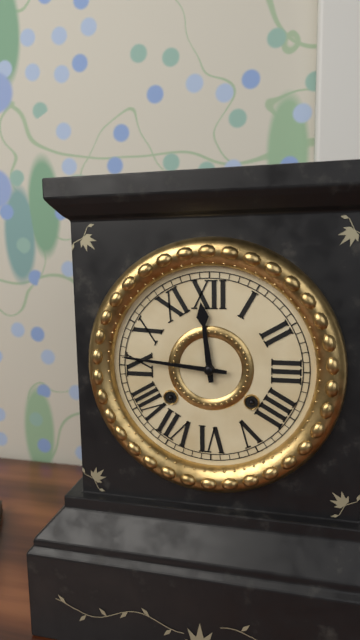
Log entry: 11,46
